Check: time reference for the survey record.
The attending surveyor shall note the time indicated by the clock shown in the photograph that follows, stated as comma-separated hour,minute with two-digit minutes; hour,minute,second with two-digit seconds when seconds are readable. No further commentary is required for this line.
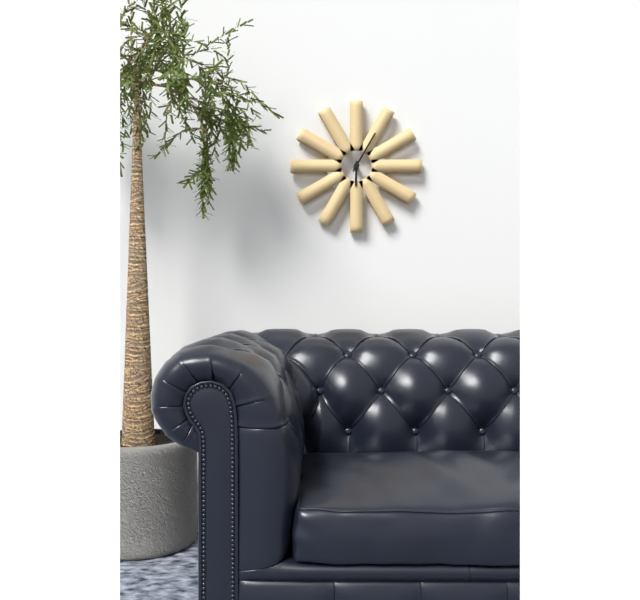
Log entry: 6,05
